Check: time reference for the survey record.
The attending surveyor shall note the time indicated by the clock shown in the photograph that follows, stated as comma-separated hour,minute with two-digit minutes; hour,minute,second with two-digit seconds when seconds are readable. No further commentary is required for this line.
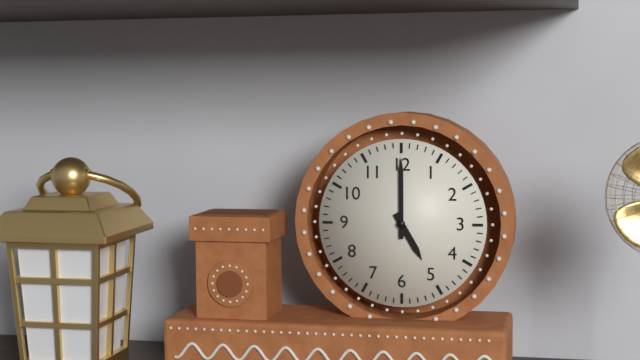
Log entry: 5,00
